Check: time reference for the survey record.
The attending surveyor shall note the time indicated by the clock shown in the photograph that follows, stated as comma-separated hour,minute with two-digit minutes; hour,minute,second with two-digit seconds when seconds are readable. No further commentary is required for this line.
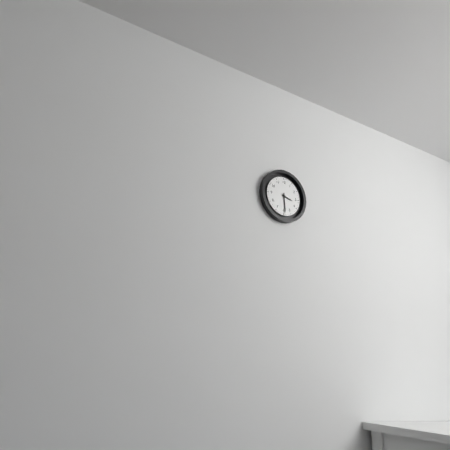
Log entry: 3,29
